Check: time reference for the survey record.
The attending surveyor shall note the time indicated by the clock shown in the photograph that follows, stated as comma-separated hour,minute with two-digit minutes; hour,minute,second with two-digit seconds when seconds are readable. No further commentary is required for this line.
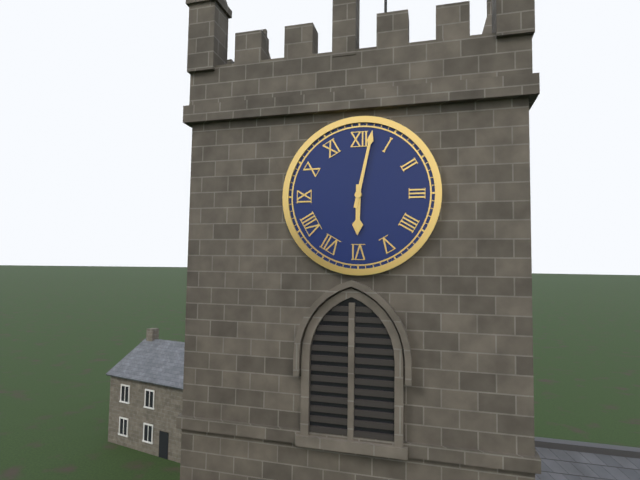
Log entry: 6,02
